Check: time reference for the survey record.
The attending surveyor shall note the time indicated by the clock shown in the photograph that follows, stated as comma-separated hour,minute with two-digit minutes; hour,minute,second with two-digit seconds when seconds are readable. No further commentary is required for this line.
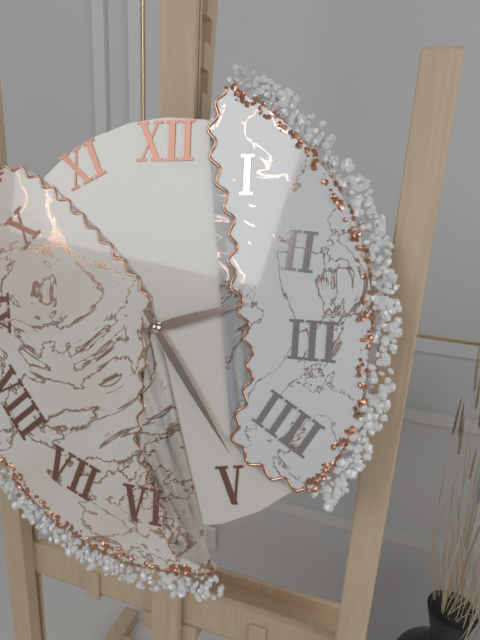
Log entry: 2,24
